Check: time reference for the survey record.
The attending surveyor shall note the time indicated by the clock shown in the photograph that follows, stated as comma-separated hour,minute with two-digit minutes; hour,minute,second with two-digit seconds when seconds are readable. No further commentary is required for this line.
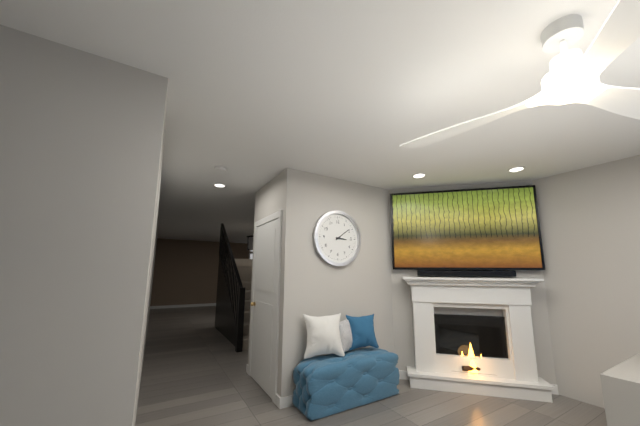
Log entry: 3,09
